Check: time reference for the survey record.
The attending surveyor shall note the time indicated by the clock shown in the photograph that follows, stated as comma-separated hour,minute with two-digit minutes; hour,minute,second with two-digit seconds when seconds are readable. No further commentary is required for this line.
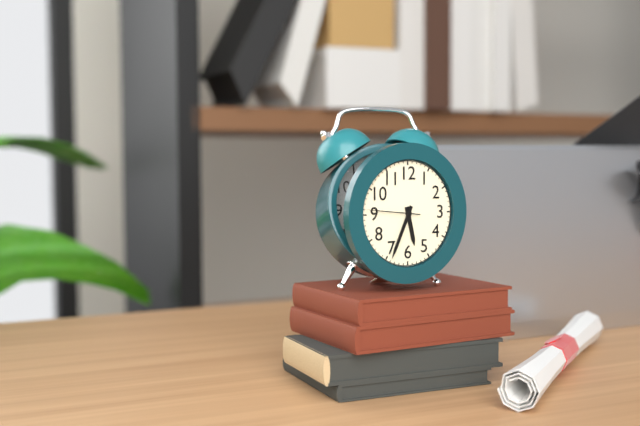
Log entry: 5,34,46
